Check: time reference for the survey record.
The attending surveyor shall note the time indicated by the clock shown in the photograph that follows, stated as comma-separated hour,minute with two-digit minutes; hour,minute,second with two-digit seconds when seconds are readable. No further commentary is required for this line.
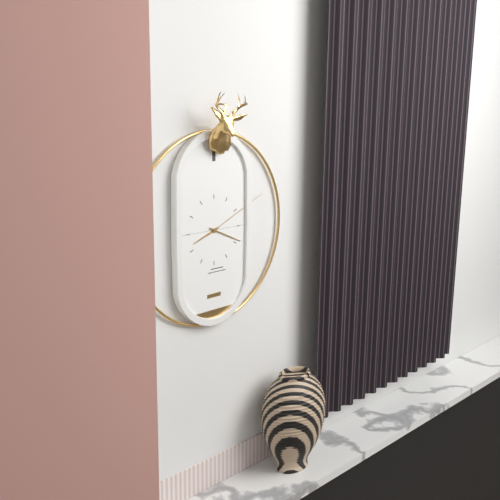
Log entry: 8,19,11
